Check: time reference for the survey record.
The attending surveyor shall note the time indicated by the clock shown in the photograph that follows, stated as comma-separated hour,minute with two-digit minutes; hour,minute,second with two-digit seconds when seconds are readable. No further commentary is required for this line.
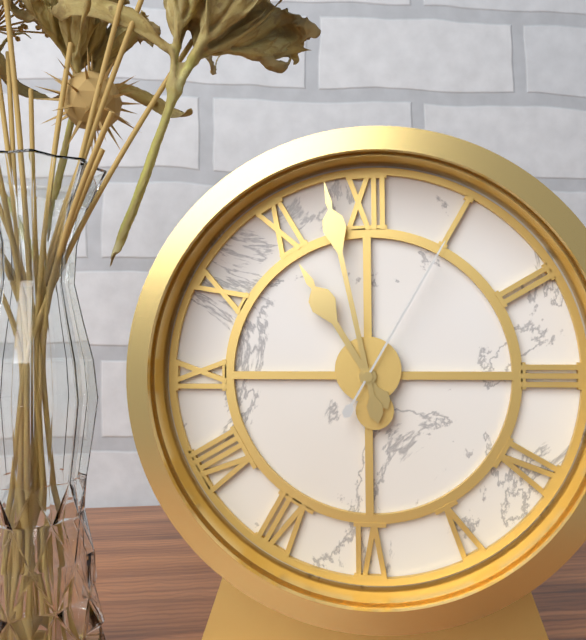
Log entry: 10,58,05
